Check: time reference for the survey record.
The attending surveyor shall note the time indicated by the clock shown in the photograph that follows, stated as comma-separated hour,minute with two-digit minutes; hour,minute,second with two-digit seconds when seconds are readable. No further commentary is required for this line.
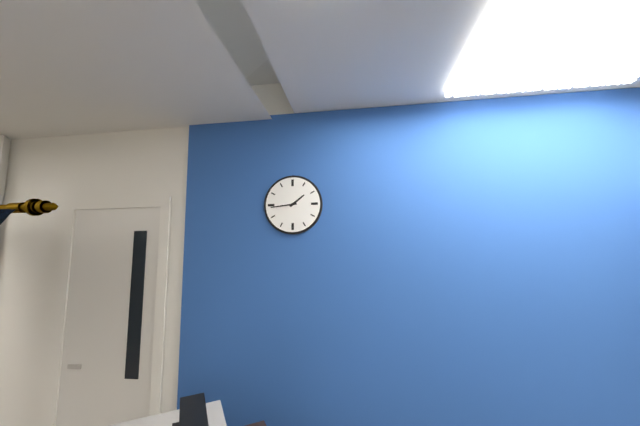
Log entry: 1,44
